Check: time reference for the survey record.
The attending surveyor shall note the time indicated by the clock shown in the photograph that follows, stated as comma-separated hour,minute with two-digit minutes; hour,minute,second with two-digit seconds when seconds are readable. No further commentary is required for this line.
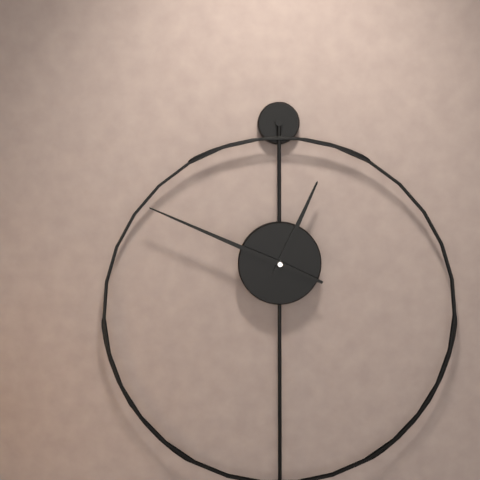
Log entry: 12,49
